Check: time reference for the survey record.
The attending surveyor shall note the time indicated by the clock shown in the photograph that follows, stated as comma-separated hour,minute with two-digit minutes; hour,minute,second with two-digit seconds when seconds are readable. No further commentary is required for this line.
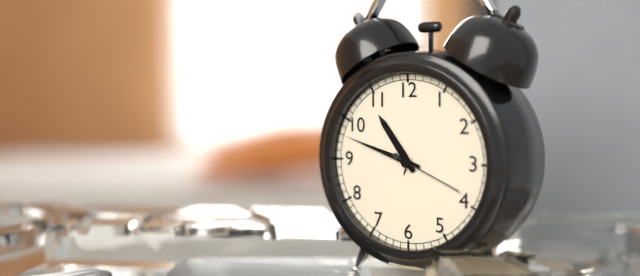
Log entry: 10,48,19
